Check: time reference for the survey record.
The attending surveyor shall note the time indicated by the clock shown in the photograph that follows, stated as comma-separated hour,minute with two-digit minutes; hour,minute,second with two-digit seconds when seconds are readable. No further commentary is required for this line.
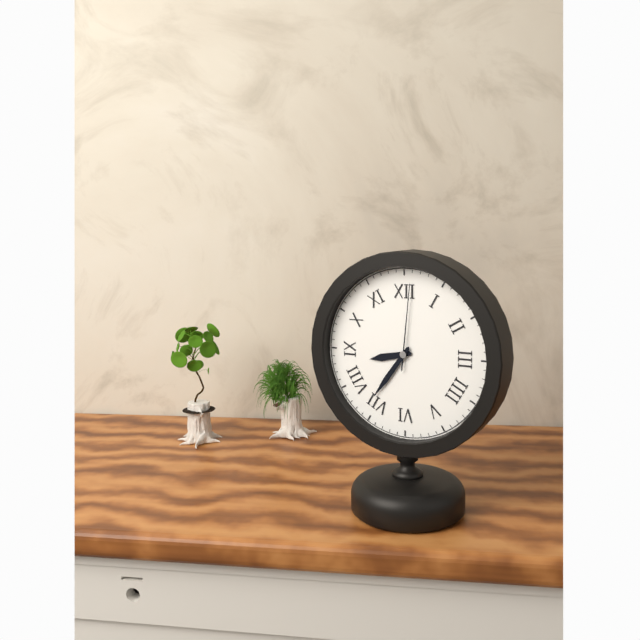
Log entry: 8,36,01
